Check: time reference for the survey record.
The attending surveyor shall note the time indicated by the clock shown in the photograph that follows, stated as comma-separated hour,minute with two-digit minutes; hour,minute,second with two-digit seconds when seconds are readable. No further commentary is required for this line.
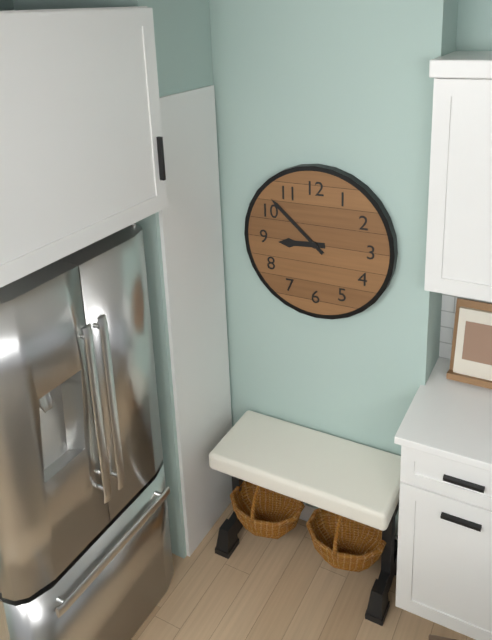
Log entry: 8,52
